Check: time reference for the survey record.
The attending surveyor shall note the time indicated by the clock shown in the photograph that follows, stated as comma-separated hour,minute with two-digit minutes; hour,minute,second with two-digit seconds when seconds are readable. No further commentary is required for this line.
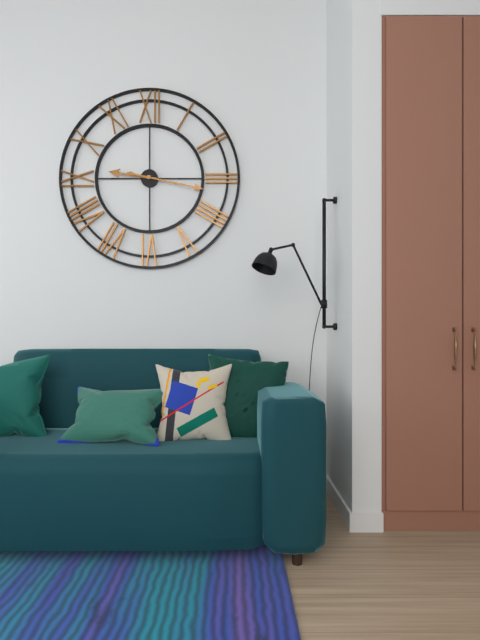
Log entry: 9,17
